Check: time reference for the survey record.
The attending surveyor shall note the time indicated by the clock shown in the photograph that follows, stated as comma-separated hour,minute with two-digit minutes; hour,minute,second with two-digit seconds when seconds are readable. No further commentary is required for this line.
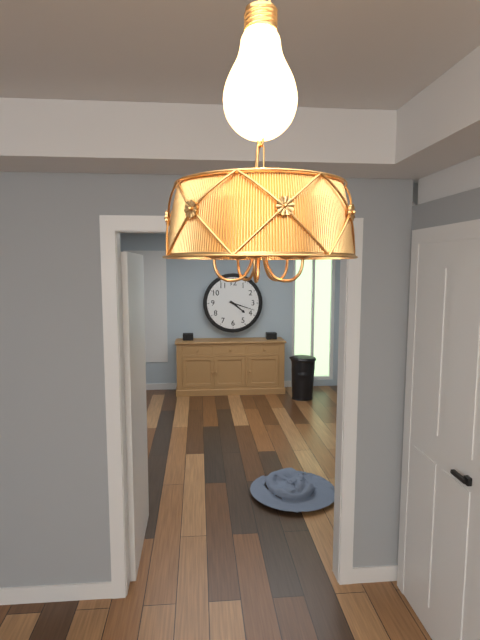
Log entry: 4,18
